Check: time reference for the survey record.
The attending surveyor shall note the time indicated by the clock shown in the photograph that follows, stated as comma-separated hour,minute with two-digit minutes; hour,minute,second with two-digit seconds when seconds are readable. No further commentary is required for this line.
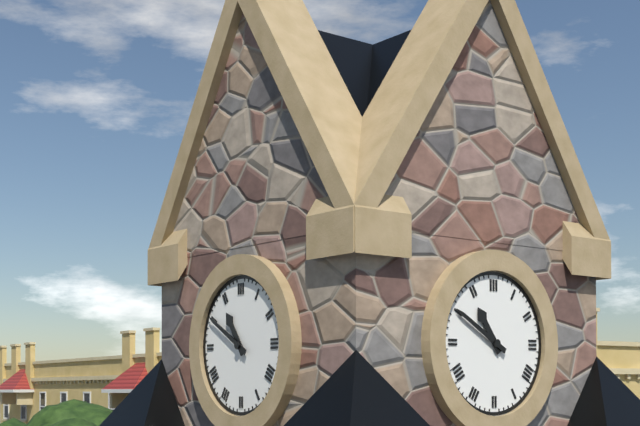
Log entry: 10,50
